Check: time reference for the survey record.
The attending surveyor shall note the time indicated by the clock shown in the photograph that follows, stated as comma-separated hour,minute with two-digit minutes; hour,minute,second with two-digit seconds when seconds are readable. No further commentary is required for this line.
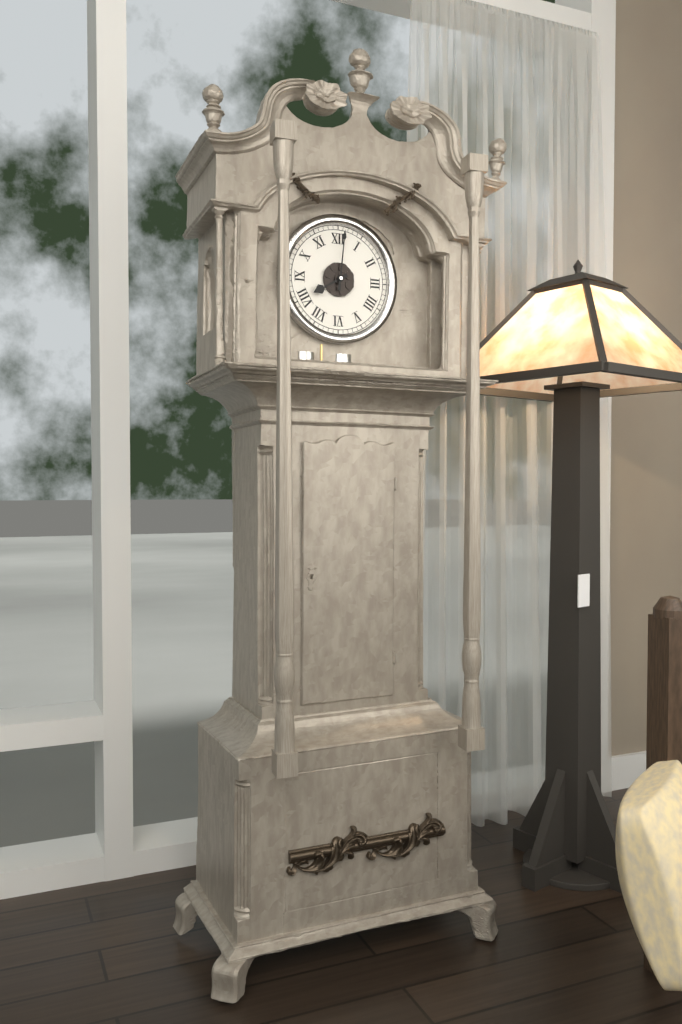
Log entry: 8,01
